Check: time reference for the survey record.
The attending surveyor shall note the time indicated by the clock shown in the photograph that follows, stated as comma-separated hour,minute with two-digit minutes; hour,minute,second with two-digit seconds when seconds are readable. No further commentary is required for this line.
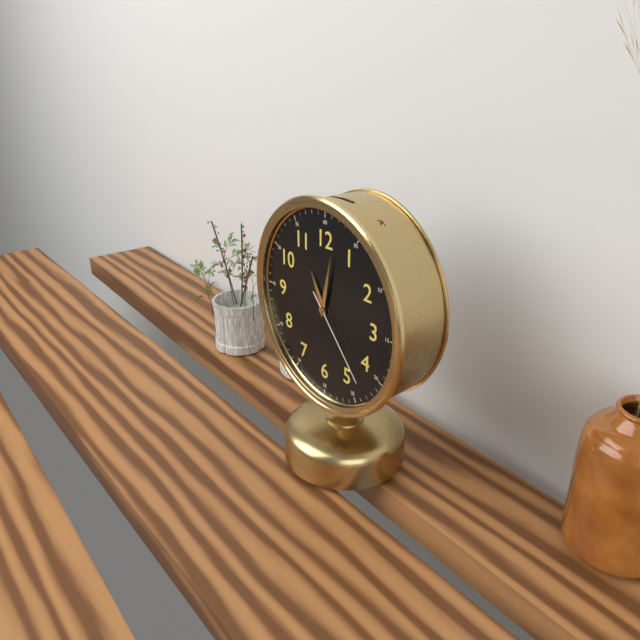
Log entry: 11,02,23
